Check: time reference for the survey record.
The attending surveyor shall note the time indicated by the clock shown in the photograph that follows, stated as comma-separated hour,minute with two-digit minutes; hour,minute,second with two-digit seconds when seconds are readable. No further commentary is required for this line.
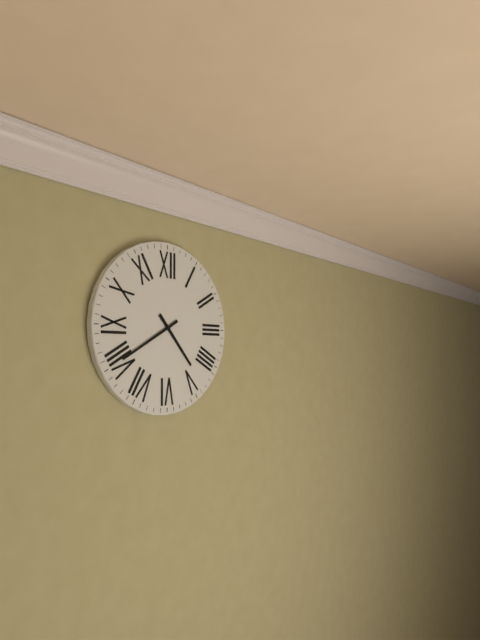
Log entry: 4,40
